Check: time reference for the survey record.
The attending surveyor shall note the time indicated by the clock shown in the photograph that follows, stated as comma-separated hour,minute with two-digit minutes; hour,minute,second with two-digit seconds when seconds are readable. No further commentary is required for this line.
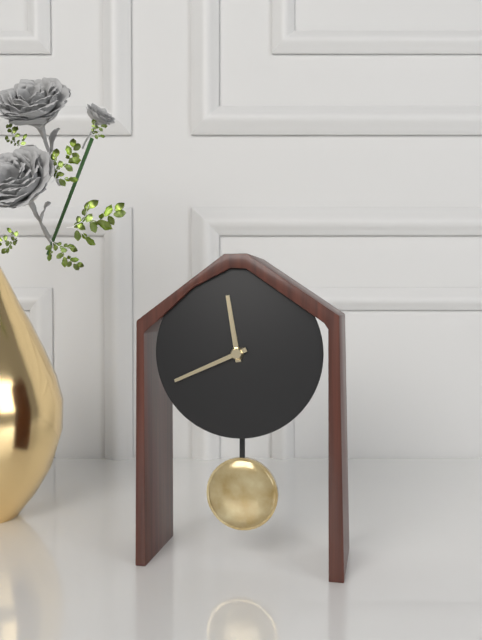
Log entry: 11,41
